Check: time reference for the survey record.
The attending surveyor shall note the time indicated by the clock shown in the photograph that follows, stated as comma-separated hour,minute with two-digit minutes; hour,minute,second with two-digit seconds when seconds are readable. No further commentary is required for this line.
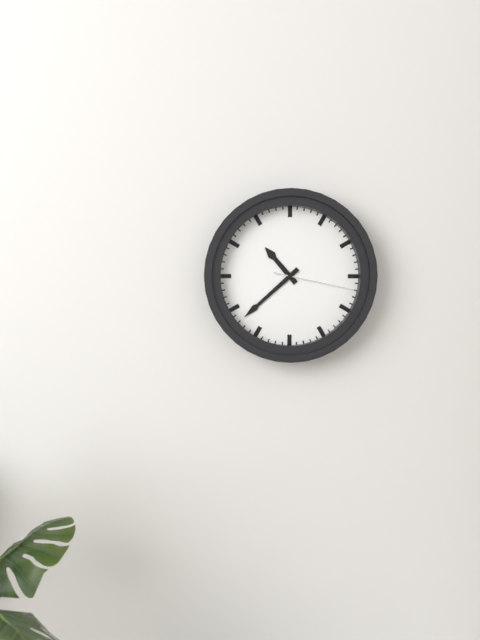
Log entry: 10,38,17
